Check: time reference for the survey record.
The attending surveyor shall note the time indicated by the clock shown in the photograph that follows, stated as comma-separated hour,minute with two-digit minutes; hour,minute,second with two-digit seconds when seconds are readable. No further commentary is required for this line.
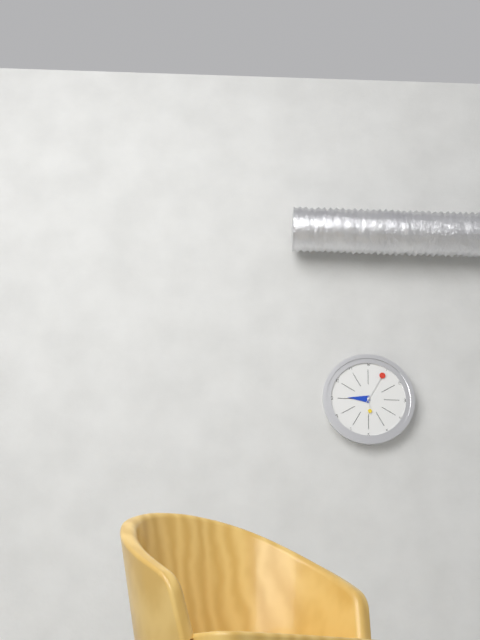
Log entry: 9,05
